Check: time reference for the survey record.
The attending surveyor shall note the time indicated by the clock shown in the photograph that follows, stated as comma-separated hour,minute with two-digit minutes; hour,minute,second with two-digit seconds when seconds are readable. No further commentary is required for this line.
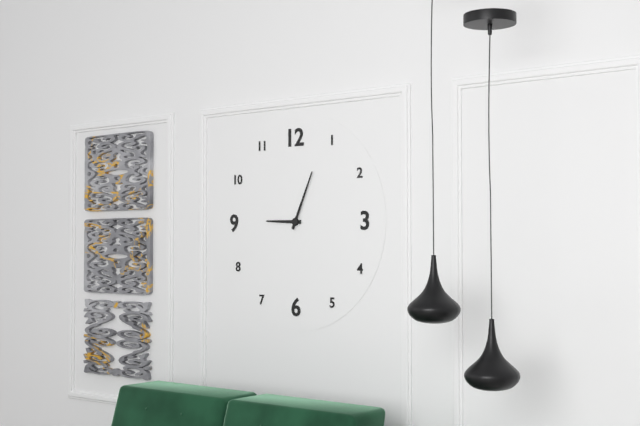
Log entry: 9,04
